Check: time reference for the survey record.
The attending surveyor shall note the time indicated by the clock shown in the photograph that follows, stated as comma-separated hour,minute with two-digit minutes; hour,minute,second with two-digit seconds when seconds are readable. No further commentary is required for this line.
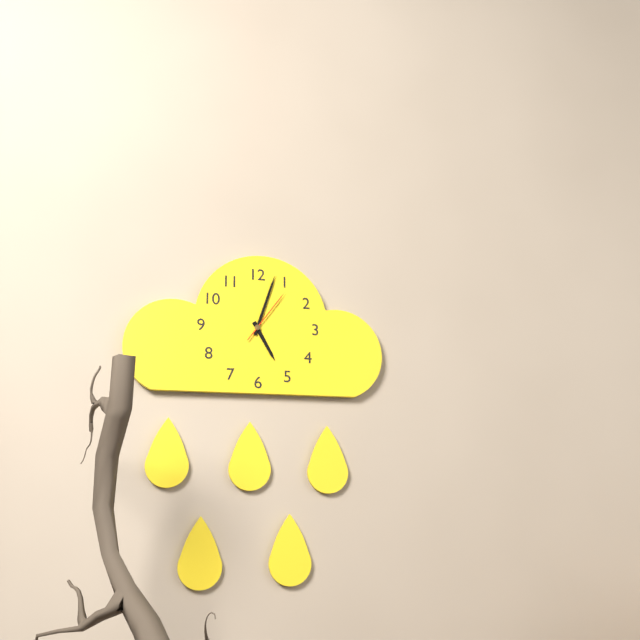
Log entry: 5,03,06
